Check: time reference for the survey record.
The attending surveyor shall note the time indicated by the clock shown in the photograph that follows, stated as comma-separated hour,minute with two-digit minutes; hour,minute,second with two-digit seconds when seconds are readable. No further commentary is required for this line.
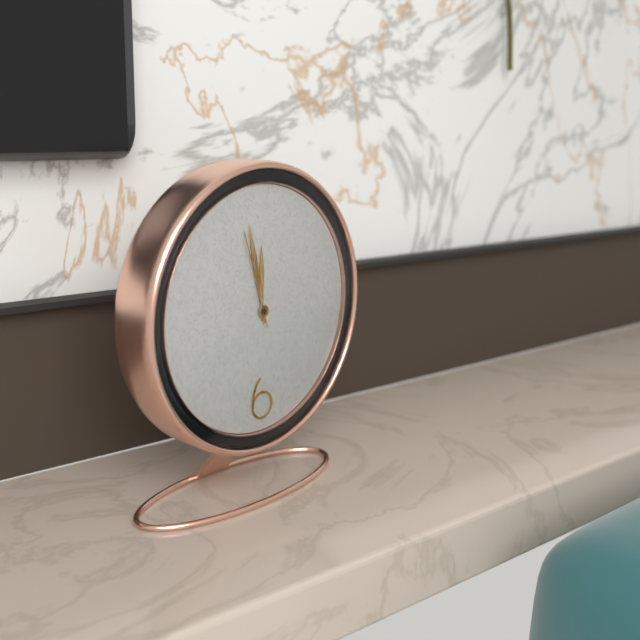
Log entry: 11,58,57
